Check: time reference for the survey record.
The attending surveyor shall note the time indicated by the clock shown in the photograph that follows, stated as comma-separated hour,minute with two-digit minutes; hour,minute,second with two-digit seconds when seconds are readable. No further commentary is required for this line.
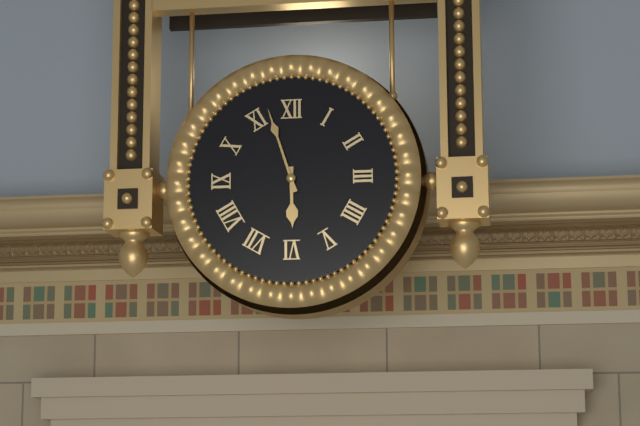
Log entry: 5,57
